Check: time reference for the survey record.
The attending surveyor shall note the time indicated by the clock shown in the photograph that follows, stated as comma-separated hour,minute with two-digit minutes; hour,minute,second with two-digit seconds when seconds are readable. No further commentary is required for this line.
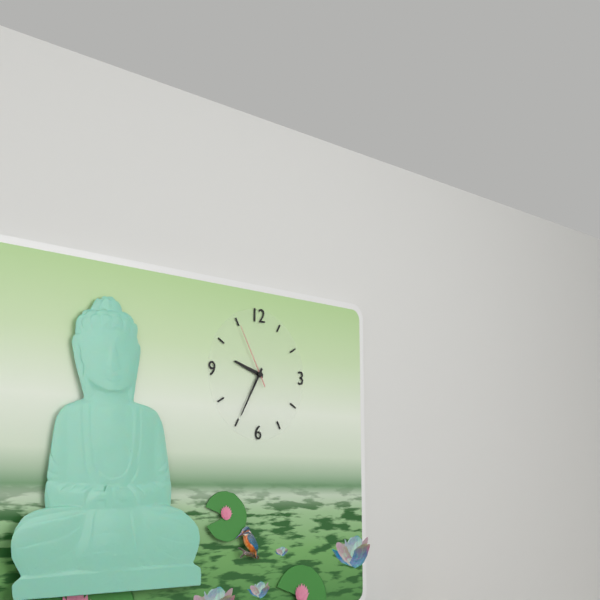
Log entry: 9,35,55
